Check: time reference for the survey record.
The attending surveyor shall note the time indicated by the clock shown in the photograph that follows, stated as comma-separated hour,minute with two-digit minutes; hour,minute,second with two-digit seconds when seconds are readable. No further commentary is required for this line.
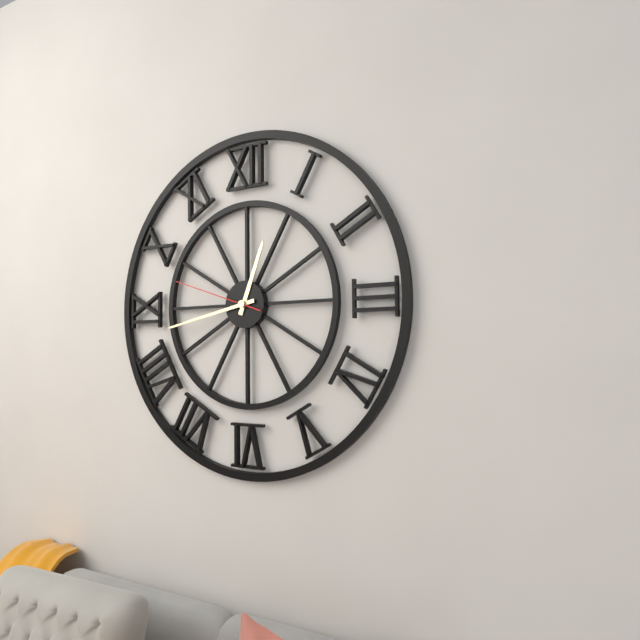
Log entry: 12,43,48
